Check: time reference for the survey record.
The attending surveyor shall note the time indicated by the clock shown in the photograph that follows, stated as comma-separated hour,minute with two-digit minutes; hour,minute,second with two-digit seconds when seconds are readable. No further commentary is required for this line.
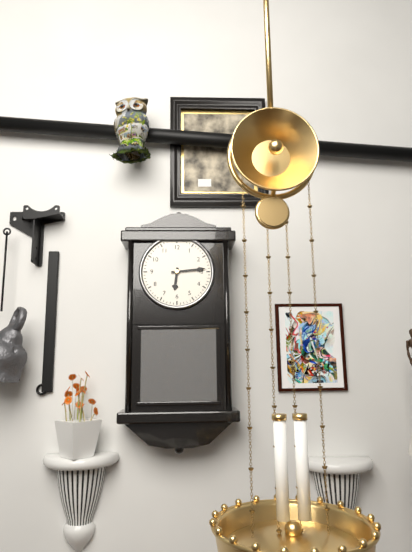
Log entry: 6,14
